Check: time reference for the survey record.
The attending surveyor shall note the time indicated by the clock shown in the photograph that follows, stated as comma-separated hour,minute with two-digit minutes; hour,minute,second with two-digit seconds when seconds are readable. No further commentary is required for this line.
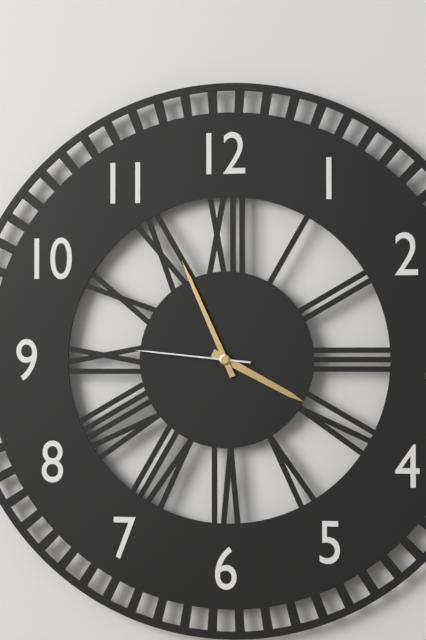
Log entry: 3,56,46
